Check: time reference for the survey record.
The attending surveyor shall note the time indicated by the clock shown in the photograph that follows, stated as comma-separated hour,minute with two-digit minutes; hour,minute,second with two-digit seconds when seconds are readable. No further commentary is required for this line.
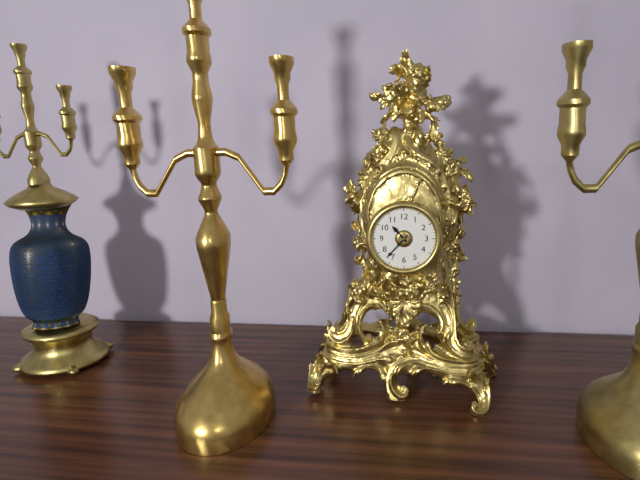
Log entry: 10,37
